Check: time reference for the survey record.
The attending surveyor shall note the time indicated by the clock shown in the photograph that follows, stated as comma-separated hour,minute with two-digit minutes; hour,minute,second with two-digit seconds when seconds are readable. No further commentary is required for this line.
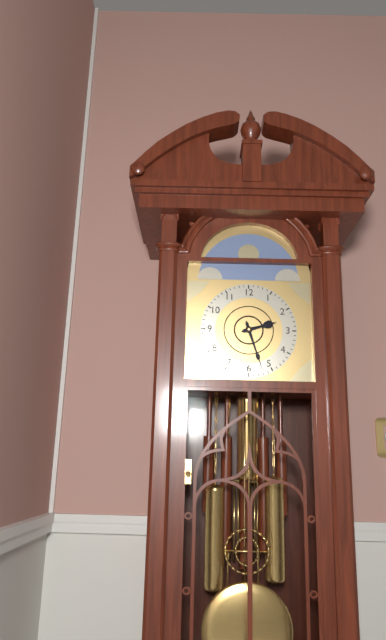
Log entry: 2,27
